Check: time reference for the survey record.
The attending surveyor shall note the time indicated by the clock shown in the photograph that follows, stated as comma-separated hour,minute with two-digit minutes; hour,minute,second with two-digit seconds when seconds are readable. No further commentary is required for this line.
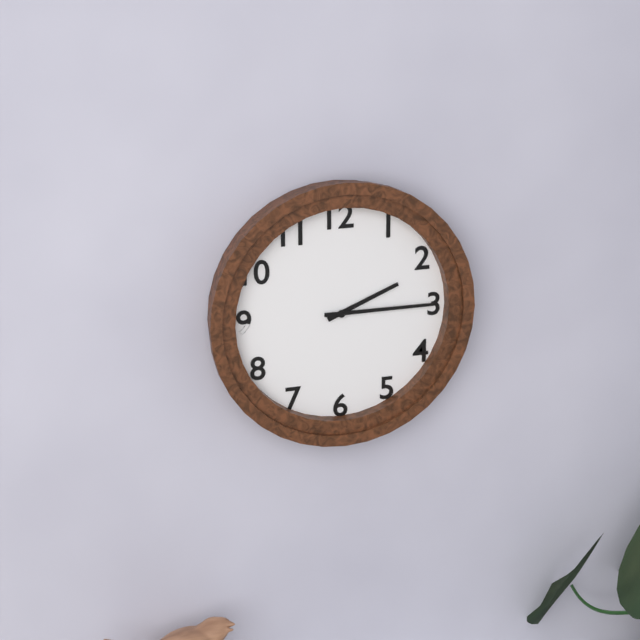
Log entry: 2,15
